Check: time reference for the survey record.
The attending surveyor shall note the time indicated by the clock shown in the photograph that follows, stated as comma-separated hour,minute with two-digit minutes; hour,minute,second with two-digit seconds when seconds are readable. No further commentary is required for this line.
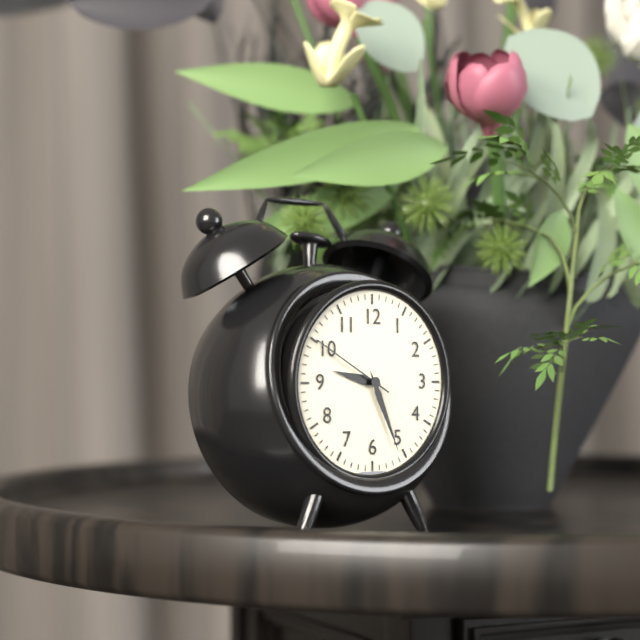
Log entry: 9,26,50
